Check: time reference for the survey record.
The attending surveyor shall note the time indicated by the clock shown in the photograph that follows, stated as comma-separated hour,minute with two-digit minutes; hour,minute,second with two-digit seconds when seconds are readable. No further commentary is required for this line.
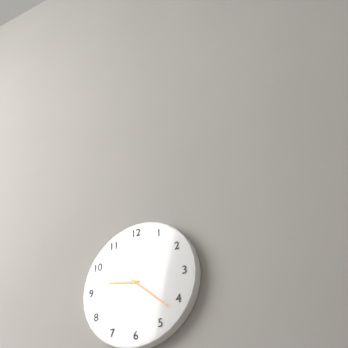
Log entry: 9,22
